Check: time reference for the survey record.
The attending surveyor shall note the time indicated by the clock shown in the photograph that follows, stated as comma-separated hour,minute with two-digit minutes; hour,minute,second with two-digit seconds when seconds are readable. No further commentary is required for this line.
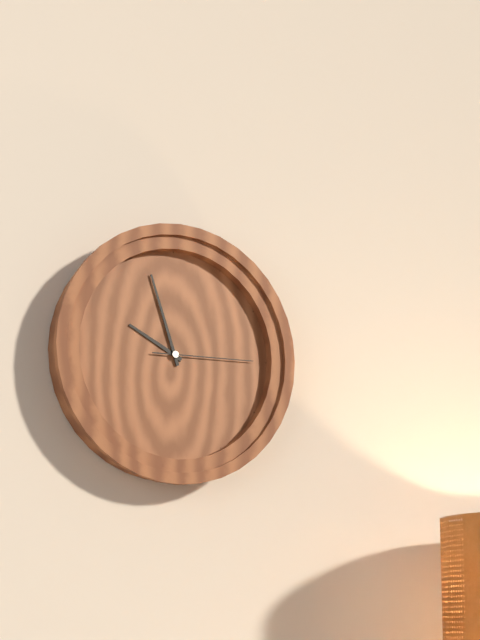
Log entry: 9,57,15
